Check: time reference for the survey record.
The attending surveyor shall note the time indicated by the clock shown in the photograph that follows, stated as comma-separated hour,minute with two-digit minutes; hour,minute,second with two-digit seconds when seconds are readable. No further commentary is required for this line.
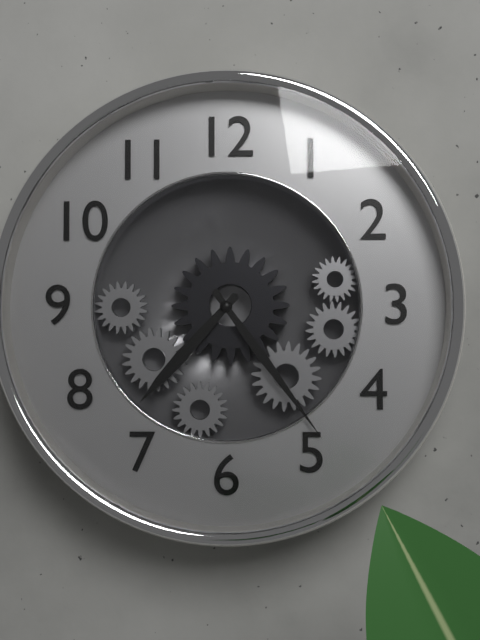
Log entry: 7,24
